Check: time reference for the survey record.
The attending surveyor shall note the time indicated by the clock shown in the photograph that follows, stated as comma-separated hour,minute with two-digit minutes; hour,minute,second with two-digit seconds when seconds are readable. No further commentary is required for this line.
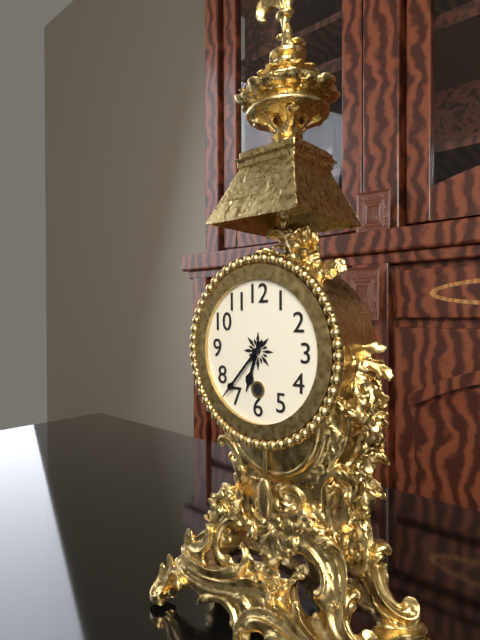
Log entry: 6,37
